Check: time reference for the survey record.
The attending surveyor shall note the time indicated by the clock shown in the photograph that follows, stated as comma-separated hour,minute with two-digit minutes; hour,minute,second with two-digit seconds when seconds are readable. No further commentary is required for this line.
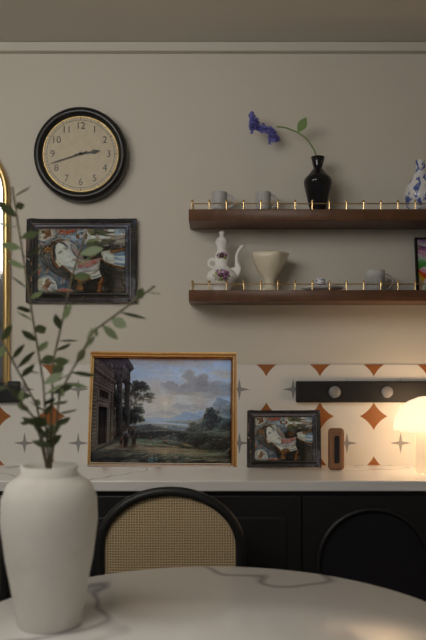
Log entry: 2,42
